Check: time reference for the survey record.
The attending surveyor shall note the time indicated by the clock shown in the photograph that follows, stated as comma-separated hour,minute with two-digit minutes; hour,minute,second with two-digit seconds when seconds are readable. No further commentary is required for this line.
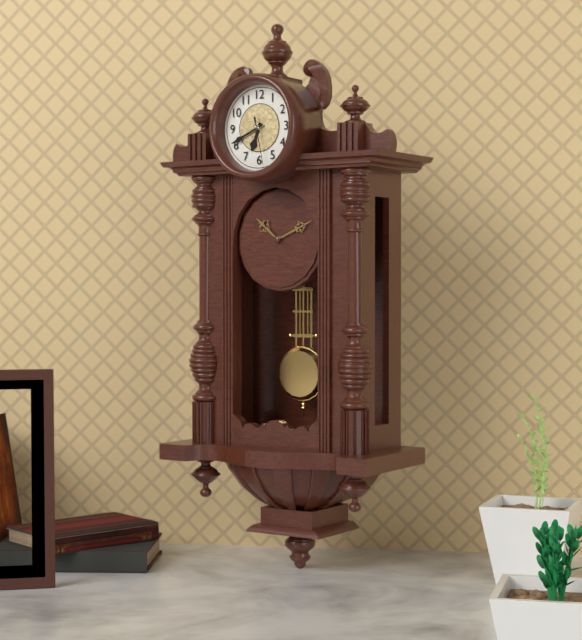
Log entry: 6,41
